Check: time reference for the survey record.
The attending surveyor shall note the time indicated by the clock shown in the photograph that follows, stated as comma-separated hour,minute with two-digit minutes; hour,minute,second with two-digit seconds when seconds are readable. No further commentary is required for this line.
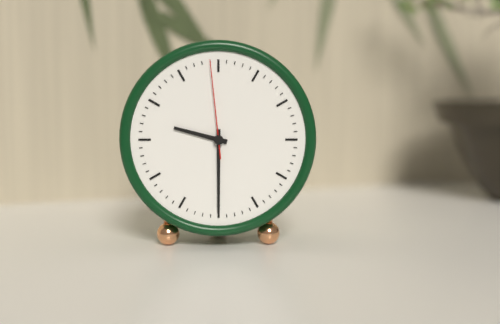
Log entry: 9,30,59
